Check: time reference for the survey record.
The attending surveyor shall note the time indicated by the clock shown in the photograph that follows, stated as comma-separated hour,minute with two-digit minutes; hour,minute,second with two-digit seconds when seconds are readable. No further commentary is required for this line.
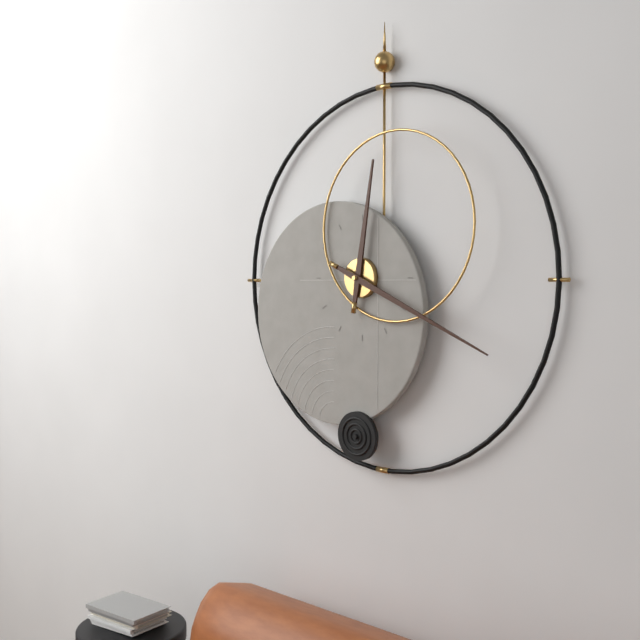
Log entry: 12,19
